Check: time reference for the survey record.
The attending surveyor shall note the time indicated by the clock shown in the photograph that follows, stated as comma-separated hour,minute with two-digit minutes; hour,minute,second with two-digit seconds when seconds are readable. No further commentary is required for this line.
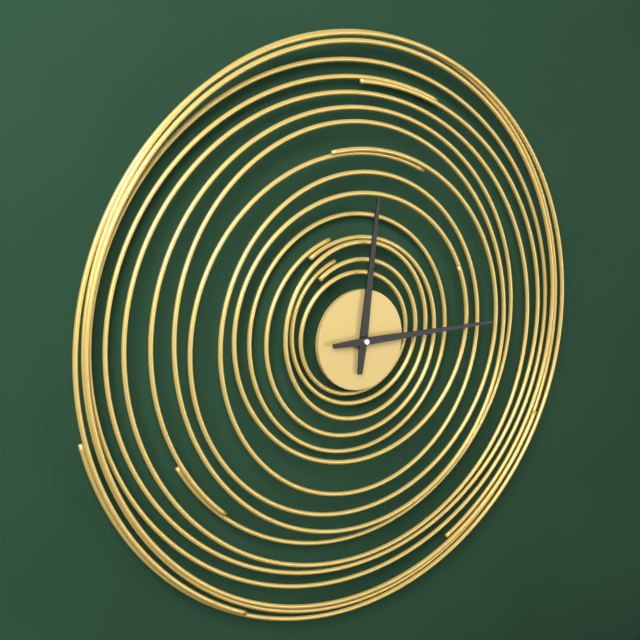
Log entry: 12,15
